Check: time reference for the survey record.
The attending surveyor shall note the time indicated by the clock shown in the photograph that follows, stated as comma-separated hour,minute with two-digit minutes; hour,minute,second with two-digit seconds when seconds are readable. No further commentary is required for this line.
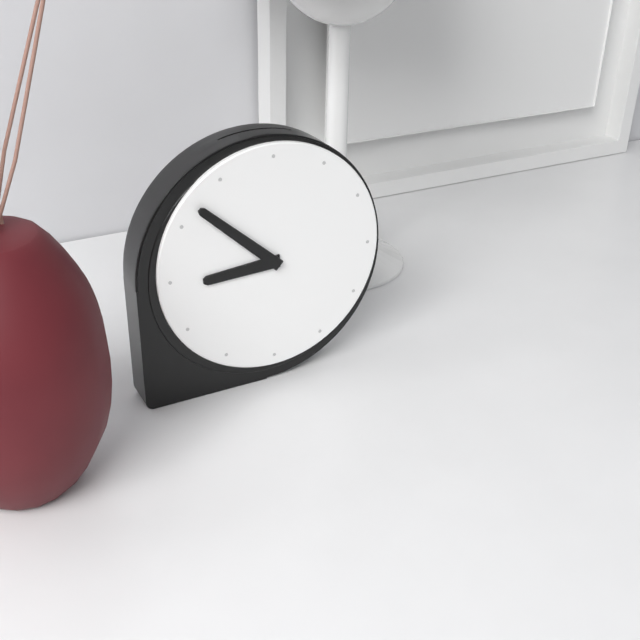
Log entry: 8,52
